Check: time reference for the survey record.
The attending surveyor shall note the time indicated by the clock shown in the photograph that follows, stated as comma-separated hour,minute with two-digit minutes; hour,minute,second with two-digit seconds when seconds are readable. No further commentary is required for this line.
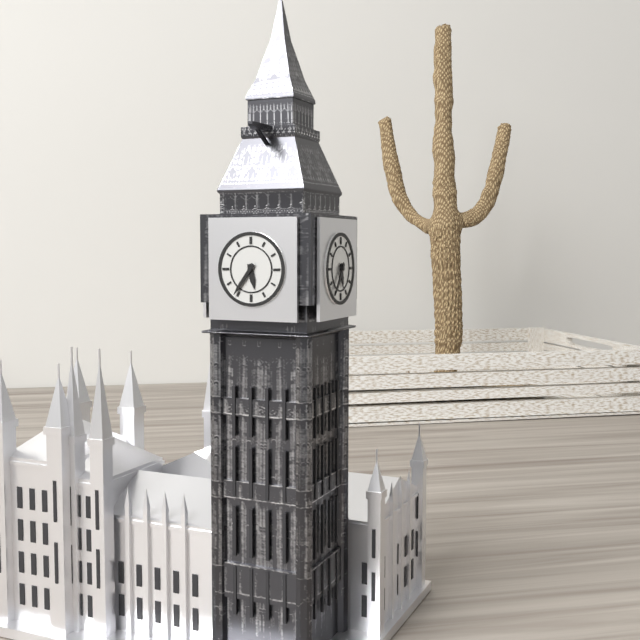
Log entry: 5,36
